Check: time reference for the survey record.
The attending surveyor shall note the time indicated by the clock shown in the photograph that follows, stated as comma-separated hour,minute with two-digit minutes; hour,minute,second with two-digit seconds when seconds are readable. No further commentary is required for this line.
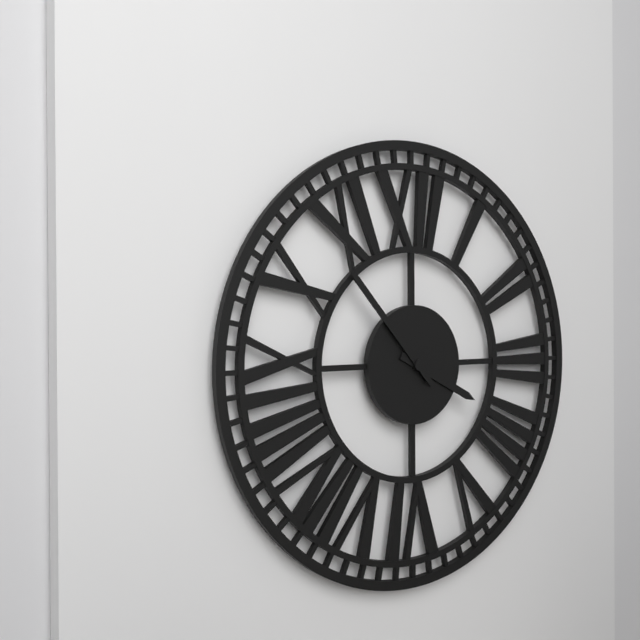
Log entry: 3,53
